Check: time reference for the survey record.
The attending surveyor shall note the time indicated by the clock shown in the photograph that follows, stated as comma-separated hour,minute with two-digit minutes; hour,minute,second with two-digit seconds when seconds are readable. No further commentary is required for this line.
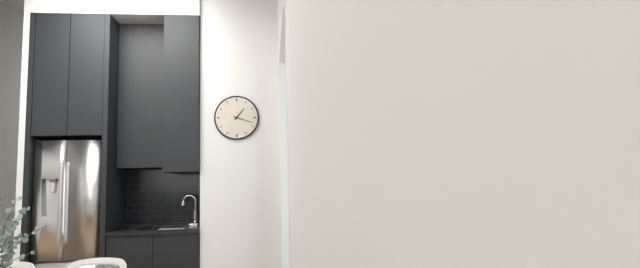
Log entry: 1,18
